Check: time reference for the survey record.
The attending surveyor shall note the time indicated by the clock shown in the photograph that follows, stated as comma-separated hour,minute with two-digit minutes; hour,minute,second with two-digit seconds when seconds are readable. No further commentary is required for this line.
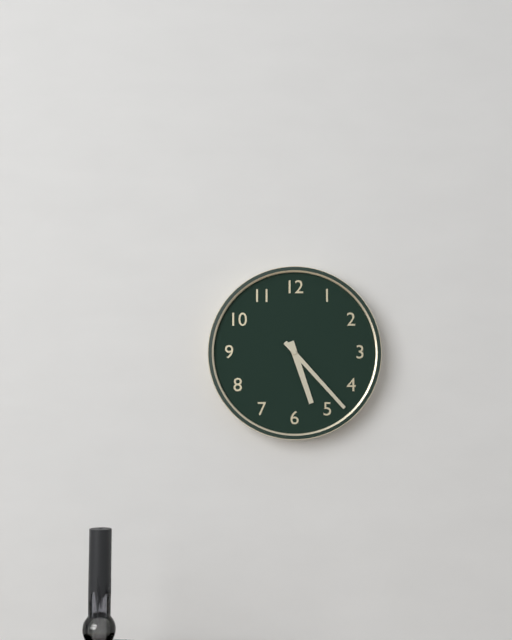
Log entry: 5,23
